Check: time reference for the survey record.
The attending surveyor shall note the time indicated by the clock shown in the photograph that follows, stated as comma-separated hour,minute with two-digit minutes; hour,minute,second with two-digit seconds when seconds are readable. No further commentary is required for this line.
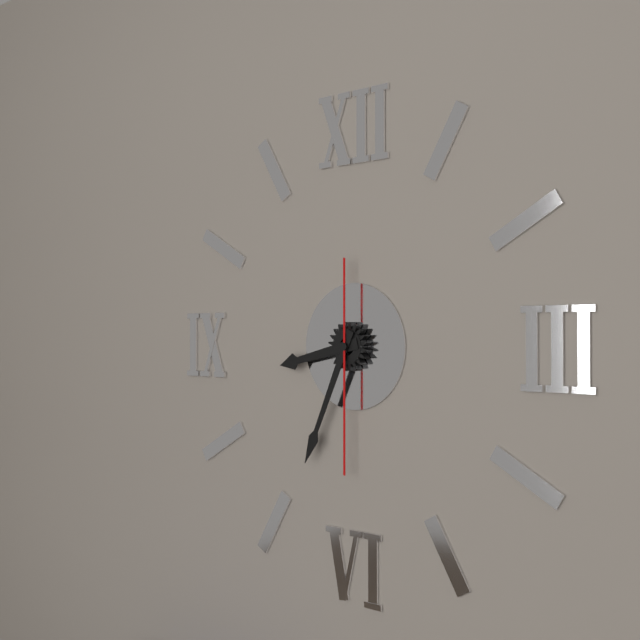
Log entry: 8,34,30
